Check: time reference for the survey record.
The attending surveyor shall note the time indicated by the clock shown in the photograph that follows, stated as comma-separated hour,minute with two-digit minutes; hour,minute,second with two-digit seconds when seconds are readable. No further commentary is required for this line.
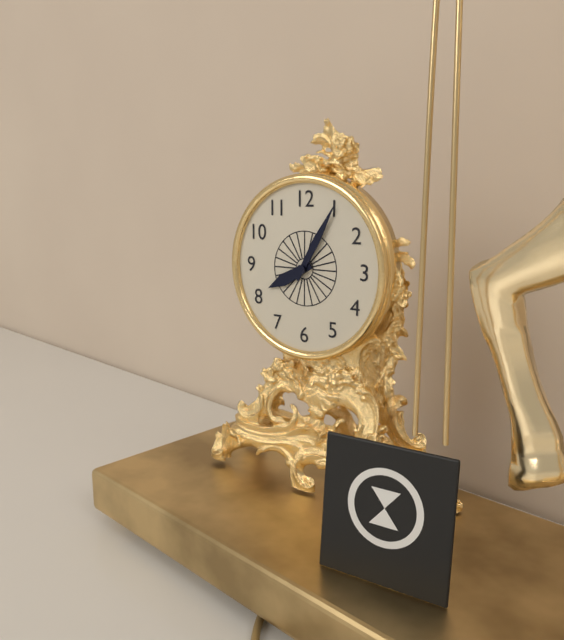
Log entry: 8,05
